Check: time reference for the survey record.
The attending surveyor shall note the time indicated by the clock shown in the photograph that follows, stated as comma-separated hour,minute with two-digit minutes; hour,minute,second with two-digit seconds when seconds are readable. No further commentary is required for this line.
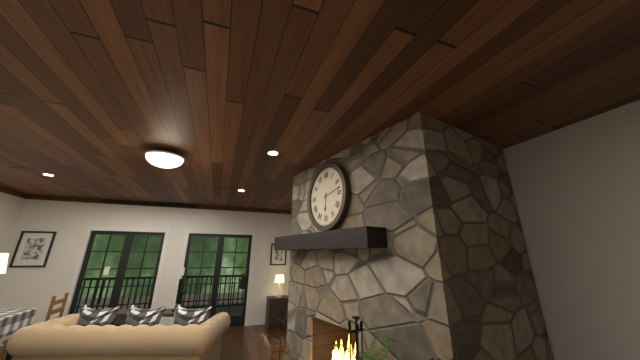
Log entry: 6,13
